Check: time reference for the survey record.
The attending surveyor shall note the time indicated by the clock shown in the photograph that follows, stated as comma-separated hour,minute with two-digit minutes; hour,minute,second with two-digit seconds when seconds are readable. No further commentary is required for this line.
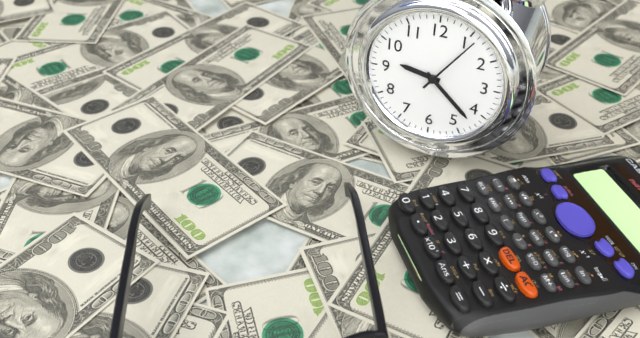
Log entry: 9,22,06
